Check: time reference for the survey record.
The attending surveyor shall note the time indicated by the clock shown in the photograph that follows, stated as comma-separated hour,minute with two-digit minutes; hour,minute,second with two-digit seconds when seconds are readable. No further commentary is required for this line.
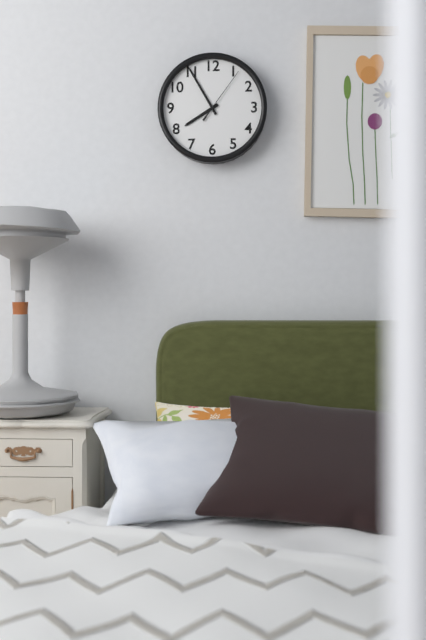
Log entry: 7,55,06
